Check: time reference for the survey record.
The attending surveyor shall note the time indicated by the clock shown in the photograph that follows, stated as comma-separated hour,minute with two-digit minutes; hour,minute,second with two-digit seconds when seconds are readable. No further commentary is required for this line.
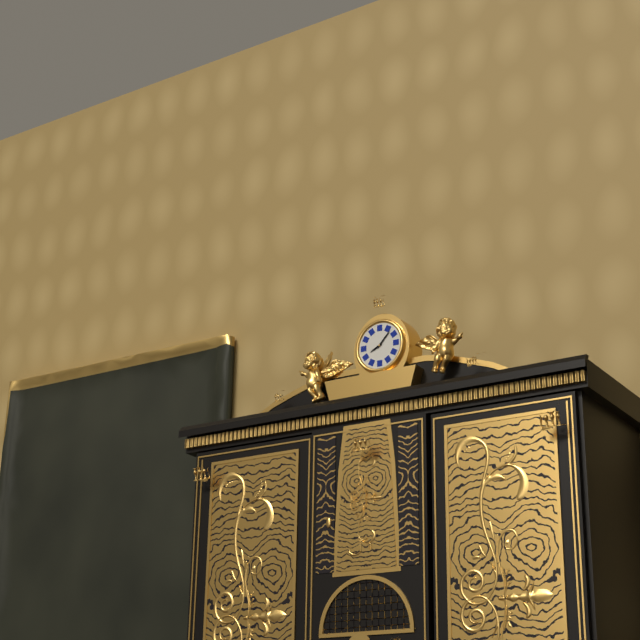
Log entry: 8,07
